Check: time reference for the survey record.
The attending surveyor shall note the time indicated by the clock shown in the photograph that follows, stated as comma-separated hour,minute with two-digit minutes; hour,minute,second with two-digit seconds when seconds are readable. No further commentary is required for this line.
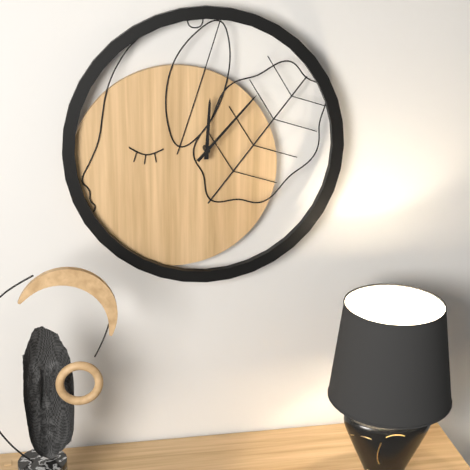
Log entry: 12,07
